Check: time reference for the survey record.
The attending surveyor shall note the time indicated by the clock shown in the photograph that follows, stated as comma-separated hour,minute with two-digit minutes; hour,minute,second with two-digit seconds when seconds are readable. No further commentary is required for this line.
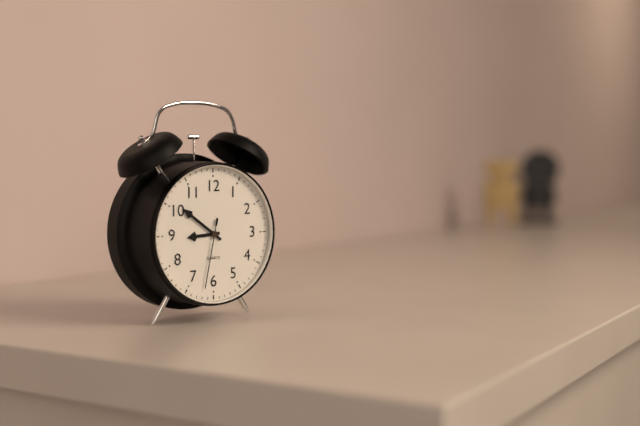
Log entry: 8,51,32
